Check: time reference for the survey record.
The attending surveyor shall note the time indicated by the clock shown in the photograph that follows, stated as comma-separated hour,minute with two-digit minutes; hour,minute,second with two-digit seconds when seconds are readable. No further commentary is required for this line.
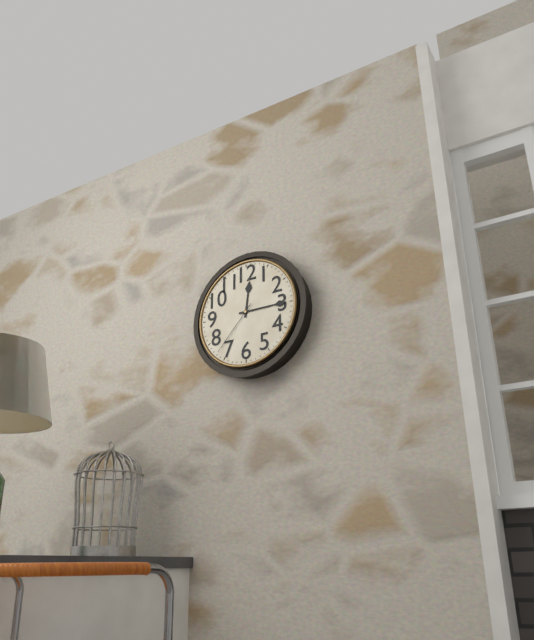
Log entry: 12,15,37
